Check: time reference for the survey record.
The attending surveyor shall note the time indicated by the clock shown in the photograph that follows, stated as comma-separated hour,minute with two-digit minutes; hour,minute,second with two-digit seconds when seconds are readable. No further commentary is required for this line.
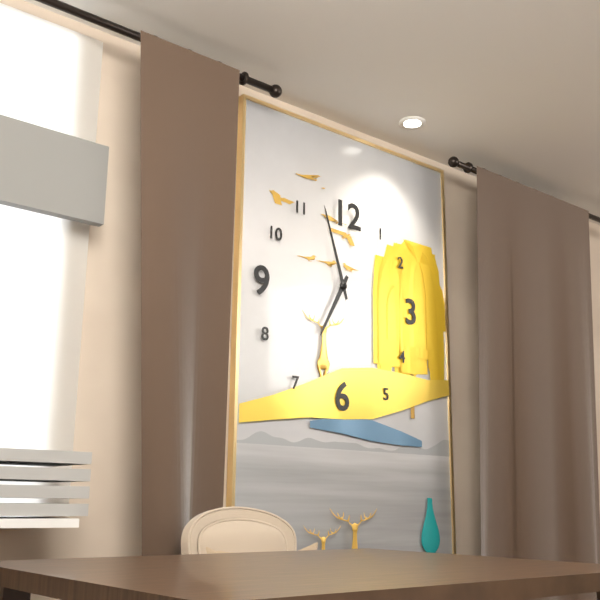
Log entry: 6,57
